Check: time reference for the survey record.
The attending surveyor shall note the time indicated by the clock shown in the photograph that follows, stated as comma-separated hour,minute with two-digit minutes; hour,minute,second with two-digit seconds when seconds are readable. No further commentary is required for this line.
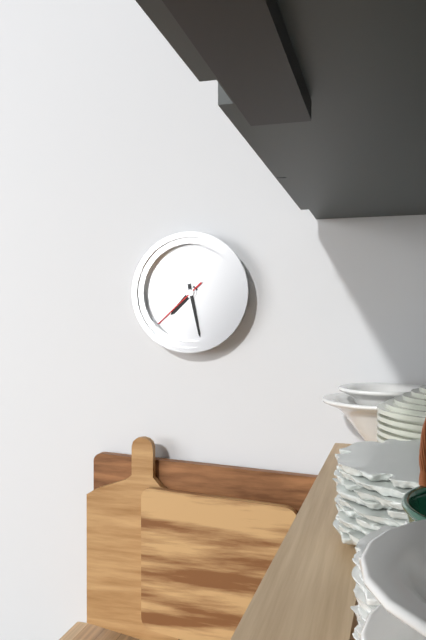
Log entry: 7,28,38
